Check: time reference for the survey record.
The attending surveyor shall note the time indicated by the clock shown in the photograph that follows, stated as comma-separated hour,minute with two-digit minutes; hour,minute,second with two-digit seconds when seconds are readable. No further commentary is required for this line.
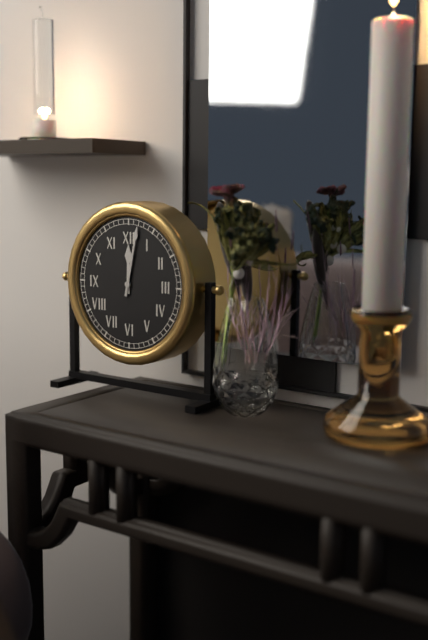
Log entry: 12,02
